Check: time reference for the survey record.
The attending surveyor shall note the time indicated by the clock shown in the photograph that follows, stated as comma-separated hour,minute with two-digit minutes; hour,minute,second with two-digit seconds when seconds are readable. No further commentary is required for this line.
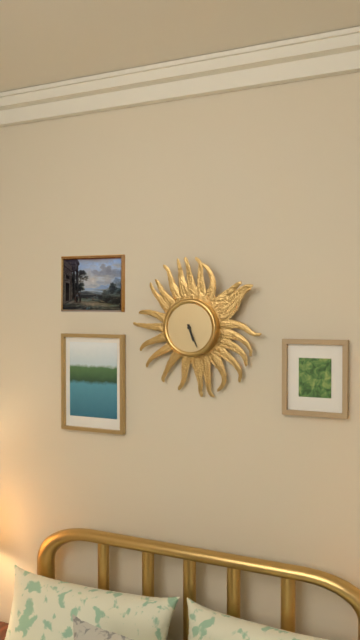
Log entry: 5,26
